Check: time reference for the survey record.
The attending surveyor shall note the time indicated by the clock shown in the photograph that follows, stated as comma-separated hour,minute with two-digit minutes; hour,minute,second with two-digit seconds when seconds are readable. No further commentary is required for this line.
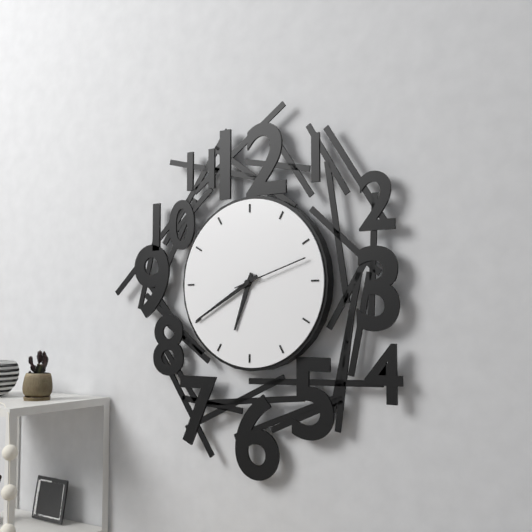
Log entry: 6,40,12
